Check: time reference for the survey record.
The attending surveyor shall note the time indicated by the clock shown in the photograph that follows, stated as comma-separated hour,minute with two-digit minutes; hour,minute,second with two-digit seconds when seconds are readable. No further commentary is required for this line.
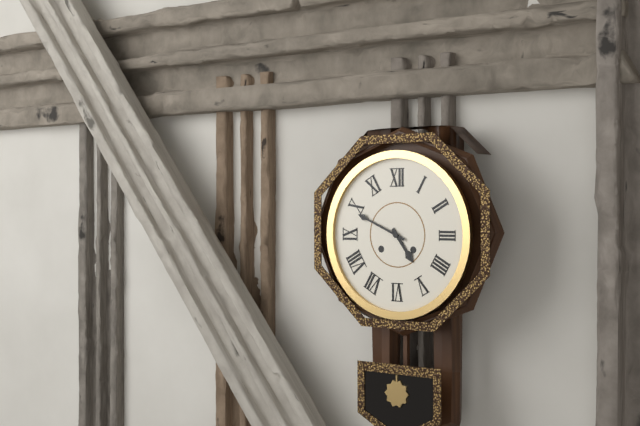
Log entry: 4,49
